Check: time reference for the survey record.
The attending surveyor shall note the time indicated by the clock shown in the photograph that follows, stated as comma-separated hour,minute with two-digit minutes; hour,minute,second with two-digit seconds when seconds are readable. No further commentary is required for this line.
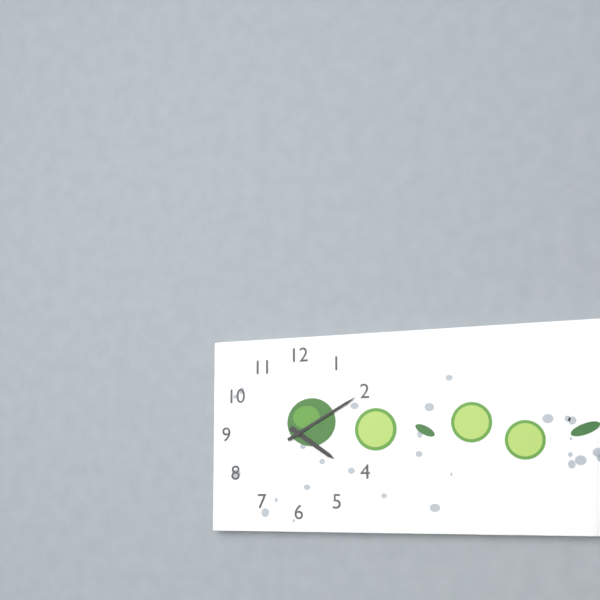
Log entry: 4,10
